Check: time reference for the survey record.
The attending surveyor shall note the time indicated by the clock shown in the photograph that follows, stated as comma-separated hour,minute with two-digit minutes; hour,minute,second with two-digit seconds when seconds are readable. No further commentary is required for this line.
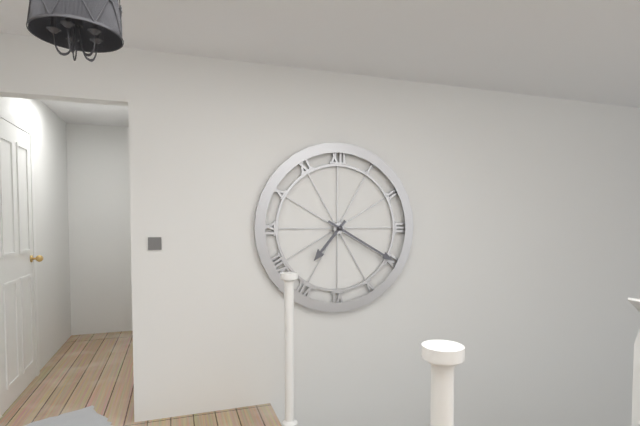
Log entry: 7,20
